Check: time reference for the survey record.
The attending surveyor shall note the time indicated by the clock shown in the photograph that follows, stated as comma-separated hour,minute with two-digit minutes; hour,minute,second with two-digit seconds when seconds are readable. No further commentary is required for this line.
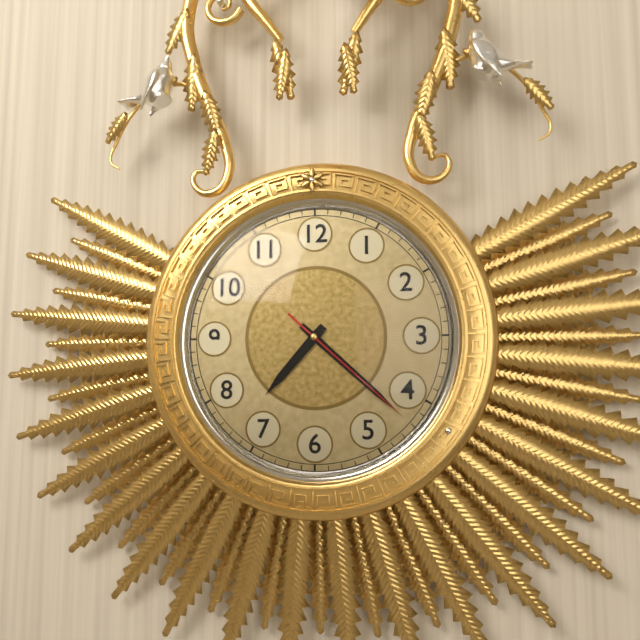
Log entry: 7,22,22
